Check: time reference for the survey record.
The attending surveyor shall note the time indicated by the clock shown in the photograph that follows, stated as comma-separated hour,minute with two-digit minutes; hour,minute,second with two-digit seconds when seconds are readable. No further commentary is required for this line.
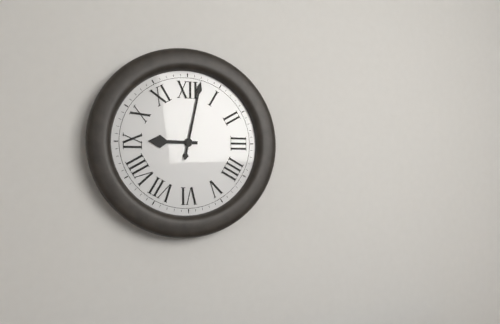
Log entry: 9,02
